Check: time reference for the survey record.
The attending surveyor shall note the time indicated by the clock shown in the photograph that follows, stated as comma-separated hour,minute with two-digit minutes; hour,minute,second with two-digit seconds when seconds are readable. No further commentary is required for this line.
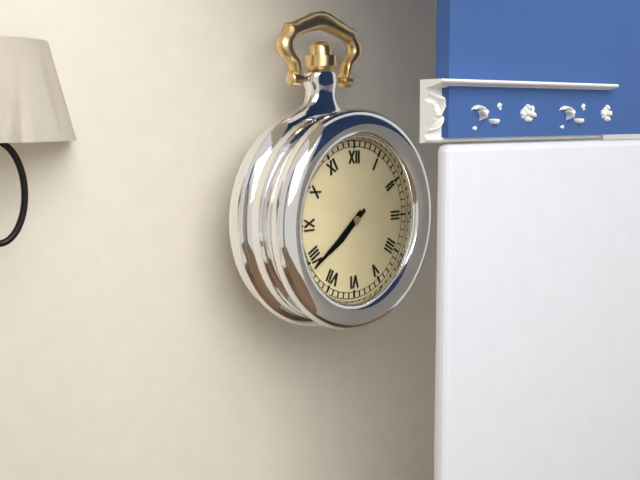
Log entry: 7,39
